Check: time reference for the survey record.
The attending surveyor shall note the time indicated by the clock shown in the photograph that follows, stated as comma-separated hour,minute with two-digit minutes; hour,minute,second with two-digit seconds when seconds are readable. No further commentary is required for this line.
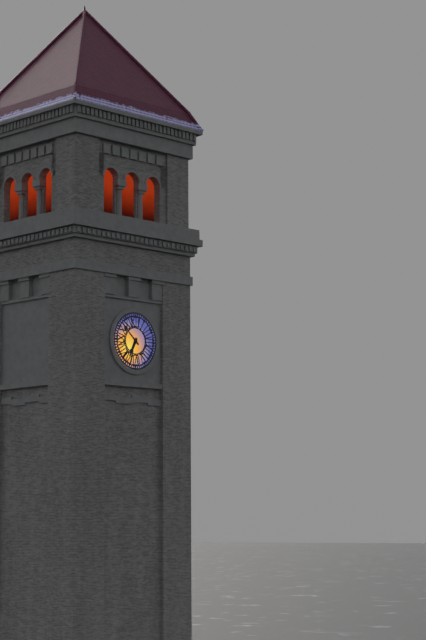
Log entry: 6,52
